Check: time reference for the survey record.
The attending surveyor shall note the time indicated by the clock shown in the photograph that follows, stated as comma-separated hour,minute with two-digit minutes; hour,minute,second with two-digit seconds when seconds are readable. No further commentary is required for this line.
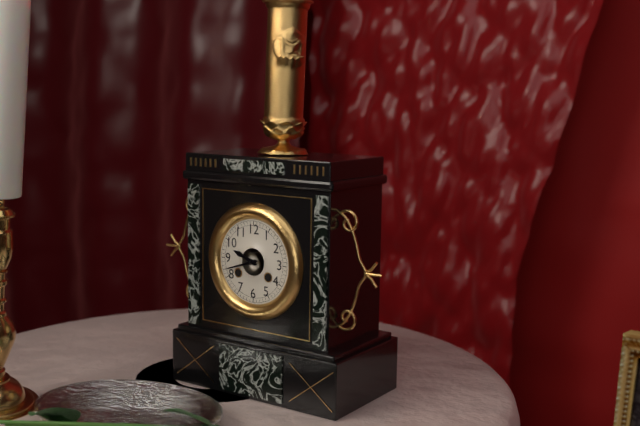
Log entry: 9,42
